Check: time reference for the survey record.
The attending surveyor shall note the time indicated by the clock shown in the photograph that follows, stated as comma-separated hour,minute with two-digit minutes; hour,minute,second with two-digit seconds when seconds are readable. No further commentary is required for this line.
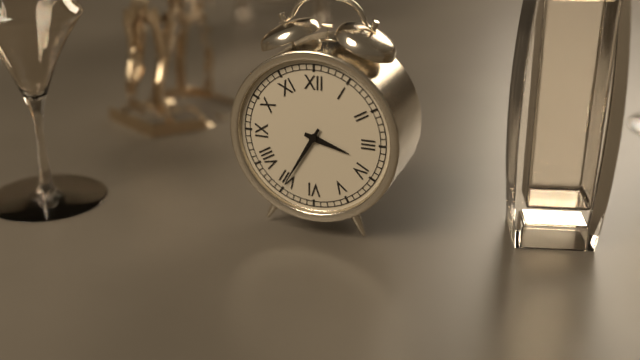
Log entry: 3,35
